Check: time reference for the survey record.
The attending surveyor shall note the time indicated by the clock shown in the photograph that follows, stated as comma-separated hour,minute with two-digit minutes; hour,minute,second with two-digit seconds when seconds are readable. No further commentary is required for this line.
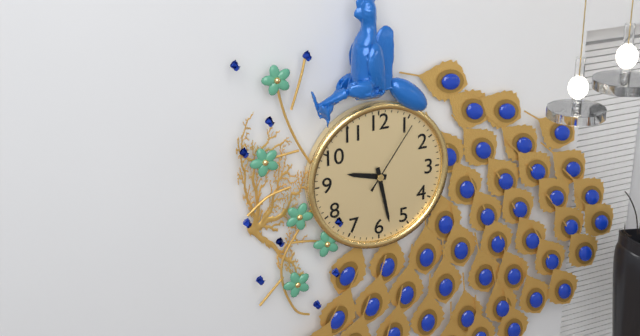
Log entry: 9,28,06
